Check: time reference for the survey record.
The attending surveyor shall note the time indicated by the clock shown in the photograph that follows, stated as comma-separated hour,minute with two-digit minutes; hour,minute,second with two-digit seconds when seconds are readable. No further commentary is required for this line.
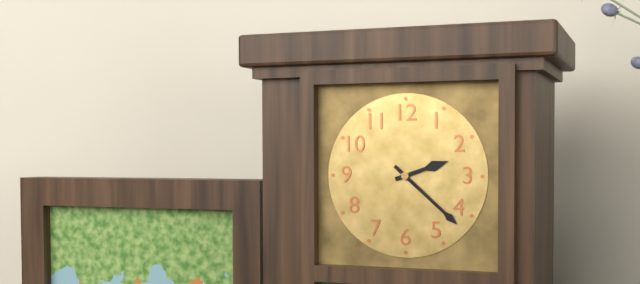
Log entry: 2,22
